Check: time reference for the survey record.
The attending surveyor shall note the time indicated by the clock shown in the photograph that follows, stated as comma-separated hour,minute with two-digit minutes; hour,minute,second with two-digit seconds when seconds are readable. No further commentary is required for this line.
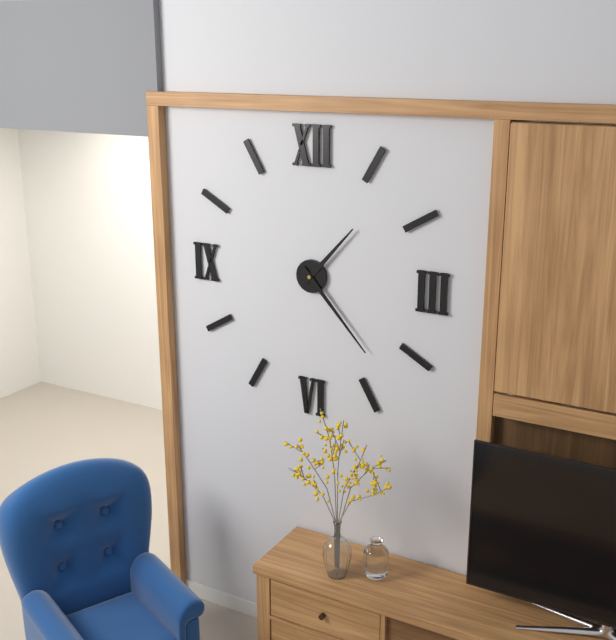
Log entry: 1,23
